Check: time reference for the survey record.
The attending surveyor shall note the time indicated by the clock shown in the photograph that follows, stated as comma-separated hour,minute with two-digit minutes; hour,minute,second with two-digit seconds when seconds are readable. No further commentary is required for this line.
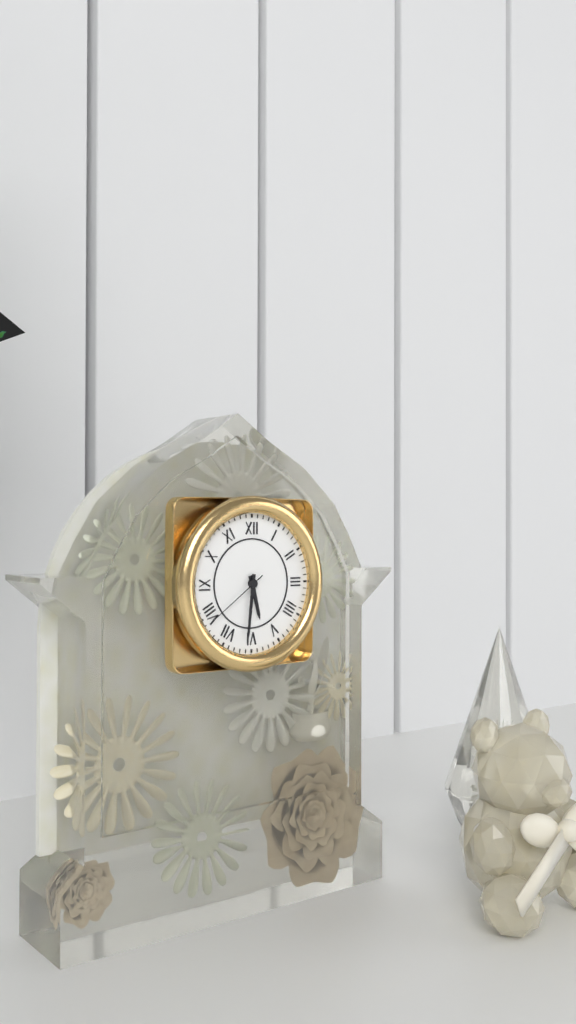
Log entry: 5,31,39
